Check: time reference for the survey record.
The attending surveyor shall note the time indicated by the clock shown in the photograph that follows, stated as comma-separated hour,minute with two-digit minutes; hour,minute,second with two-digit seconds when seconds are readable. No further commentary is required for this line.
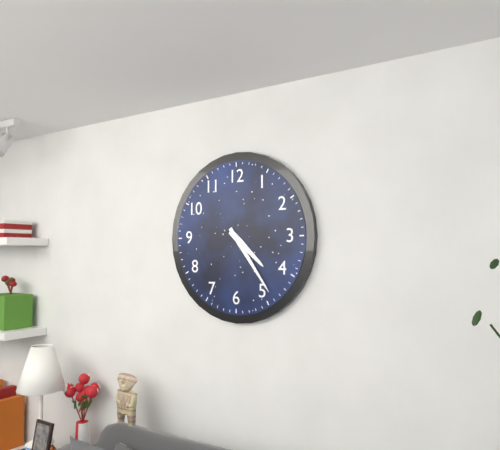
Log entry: 4,24
